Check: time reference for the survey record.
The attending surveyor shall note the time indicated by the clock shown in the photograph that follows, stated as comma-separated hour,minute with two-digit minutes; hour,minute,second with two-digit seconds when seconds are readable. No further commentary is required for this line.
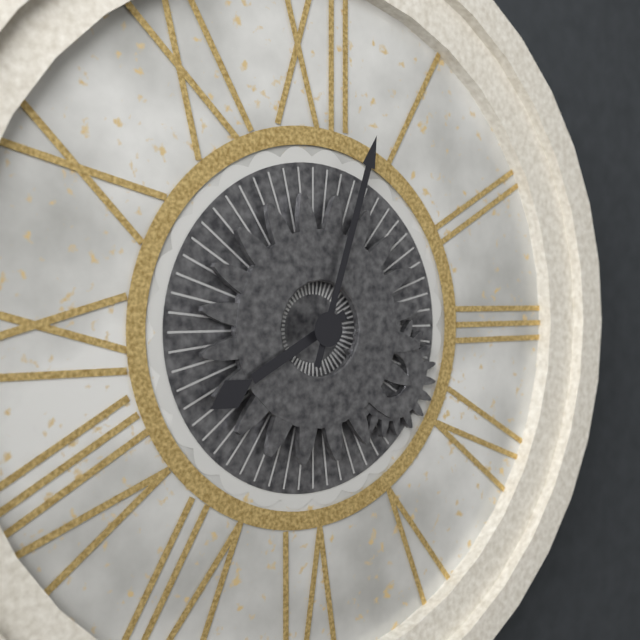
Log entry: 8,03
